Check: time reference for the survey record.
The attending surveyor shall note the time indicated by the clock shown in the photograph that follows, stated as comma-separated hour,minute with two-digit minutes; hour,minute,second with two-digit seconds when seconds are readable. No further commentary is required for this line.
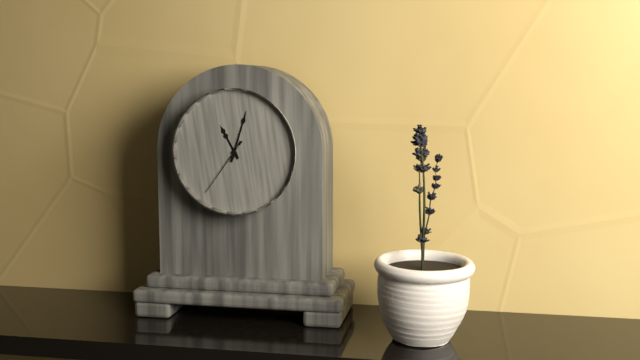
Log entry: 11,03,36
